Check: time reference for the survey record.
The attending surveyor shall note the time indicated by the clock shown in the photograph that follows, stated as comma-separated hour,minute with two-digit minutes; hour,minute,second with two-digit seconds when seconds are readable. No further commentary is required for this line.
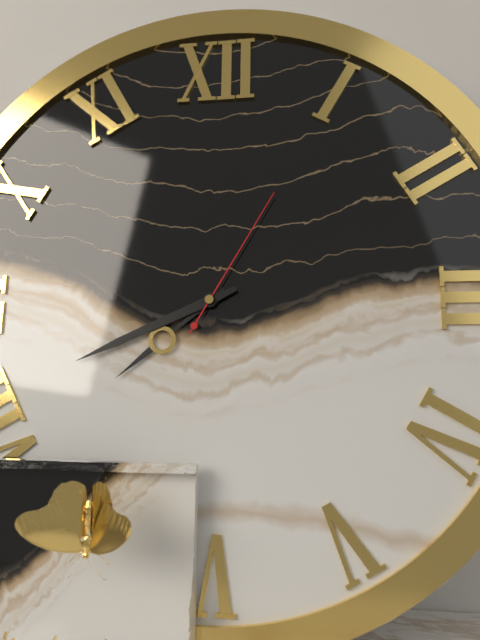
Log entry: 7,41,05
